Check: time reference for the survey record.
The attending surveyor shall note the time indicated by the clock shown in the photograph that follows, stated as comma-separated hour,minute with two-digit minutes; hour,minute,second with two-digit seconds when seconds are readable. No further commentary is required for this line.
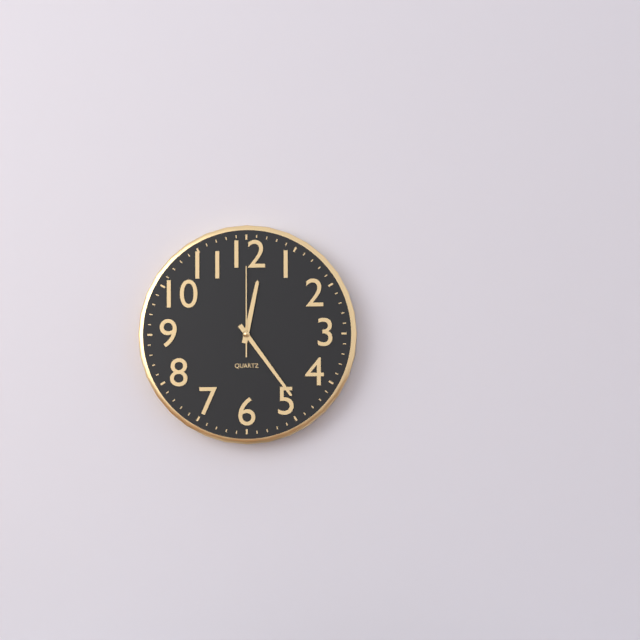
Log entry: 12,24,00
